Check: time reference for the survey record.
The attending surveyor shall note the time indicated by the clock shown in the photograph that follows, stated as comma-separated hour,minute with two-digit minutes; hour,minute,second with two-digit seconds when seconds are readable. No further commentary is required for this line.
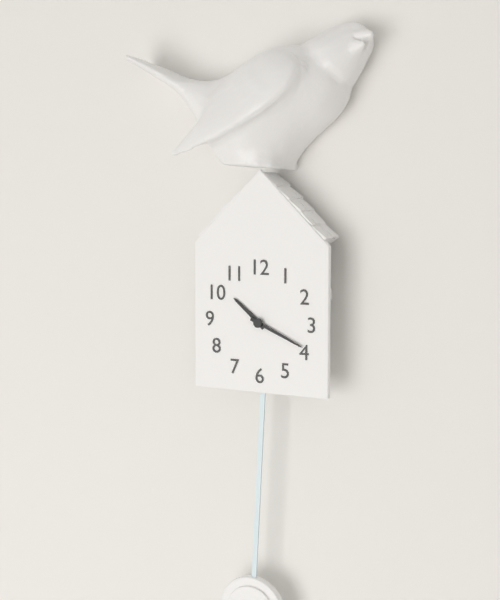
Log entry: 10,19
